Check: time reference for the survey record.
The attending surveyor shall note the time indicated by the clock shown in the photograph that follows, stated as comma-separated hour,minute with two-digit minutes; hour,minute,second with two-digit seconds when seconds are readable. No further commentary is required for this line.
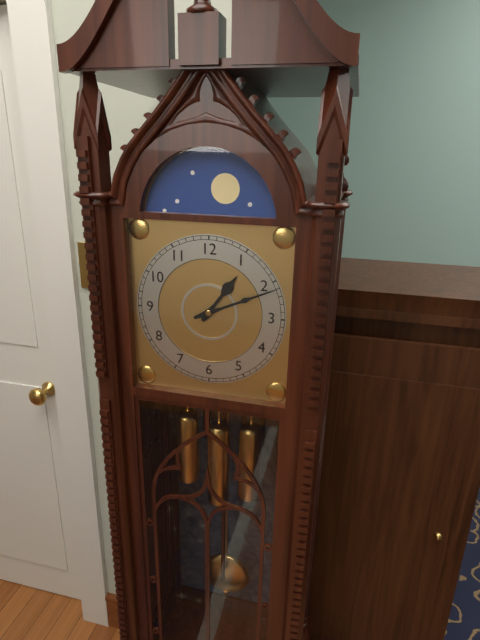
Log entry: 1,11
